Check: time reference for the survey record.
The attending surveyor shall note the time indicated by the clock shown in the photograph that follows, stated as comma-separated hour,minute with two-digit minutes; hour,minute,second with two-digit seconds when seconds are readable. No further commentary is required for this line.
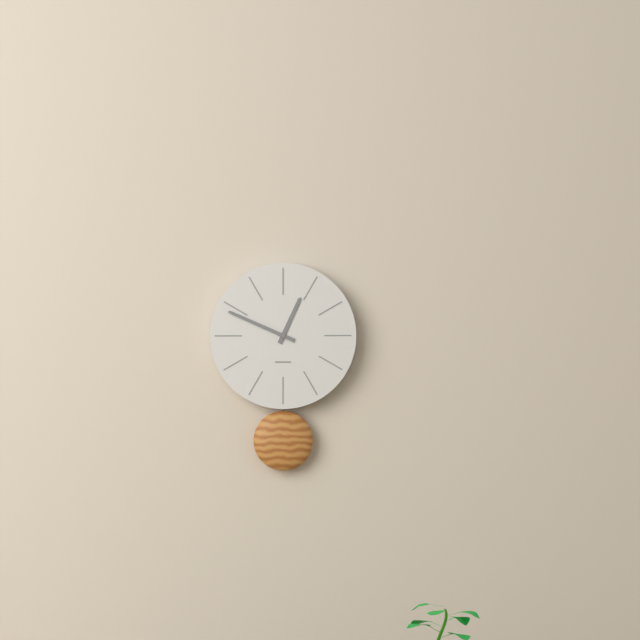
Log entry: 12,49
